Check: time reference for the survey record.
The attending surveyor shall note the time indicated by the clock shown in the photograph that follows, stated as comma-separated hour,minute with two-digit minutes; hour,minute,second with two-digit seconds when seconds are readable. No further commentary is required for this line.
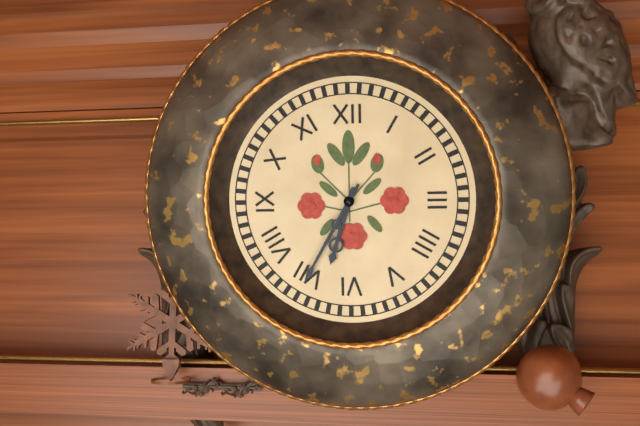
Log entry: 6,35
